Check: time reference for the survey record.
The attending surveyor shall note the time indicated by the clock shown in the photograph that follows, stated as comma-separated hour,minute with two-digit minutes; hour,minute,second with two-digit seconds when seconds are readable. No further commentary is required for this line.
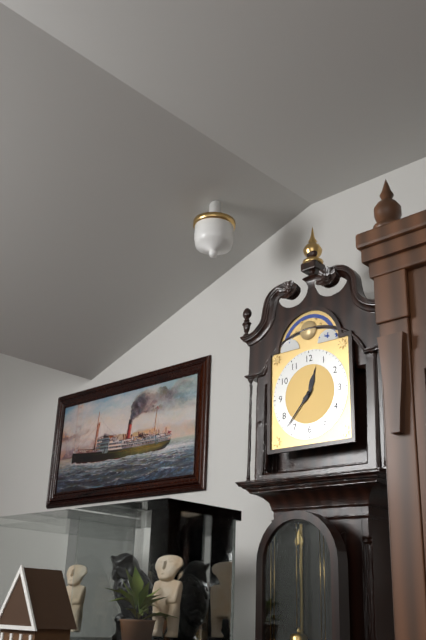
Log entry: 12,37
